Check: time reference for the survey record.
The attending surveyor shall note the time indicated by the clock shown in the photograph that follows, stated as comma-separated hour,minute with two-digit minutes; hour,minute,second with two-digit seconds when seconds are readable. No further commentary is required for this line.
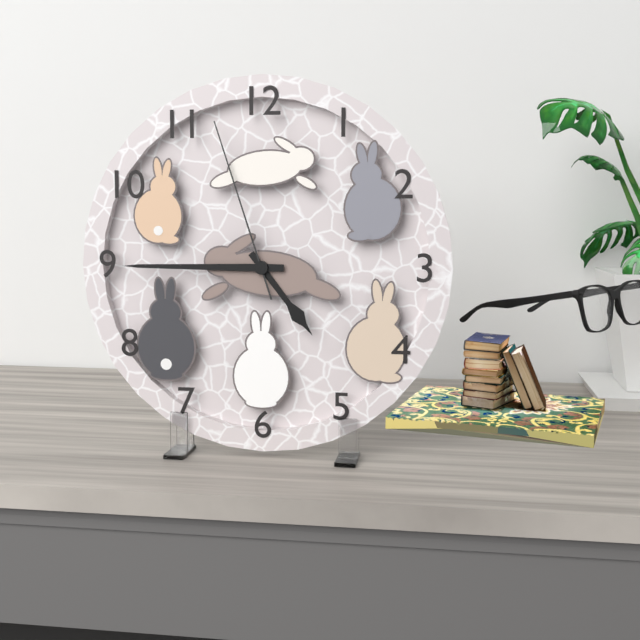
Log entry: 4,45,57
